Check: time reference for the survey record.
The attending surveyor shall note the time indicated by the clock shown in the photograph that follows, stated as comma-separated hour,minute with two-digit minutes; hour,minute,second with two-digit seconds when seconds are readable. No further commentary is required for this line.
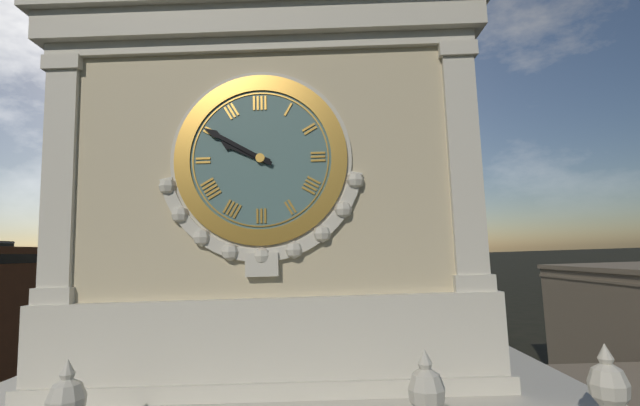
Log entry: 9,50
